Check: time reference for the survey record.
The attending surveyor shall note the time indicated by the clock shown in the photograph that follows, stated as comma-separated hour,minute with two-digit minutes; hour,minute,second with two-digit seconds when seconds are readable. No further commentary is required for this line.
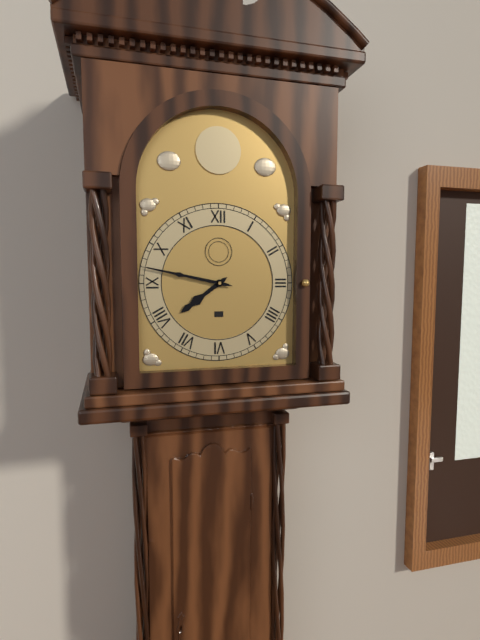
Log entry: 7,47
